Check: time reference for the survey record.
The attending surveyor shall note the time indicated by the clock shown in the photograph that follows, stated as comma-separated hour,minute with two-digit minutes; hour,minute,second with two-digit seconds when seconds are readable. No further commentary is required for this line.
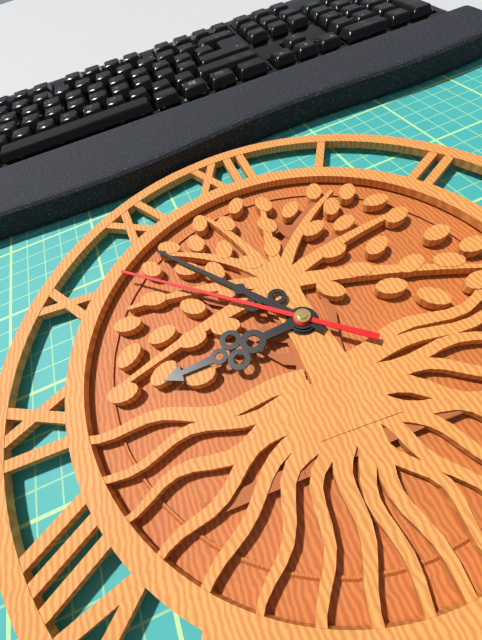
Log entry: 8,54,52
